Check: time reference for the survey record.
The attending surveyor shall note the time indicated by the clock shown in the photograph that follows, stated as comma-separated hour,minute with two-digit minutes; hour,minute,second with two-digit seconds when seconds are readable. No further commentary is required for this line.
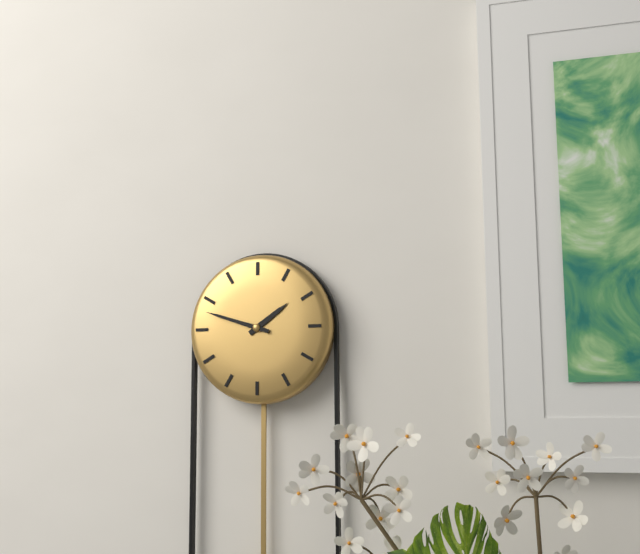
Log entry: 1,48
